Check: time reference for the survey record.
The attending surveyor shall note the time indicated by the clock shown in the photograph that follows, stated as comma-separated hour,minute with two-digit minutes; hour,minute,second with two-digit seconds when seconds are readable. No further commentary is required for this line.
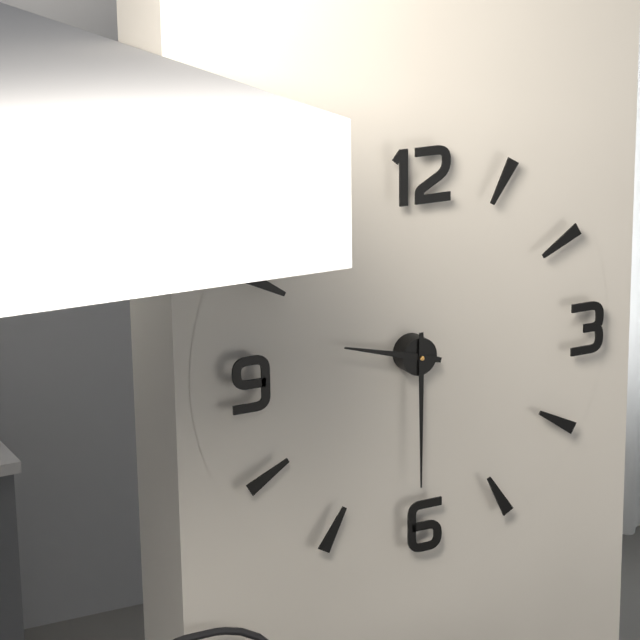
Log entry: 9,30
